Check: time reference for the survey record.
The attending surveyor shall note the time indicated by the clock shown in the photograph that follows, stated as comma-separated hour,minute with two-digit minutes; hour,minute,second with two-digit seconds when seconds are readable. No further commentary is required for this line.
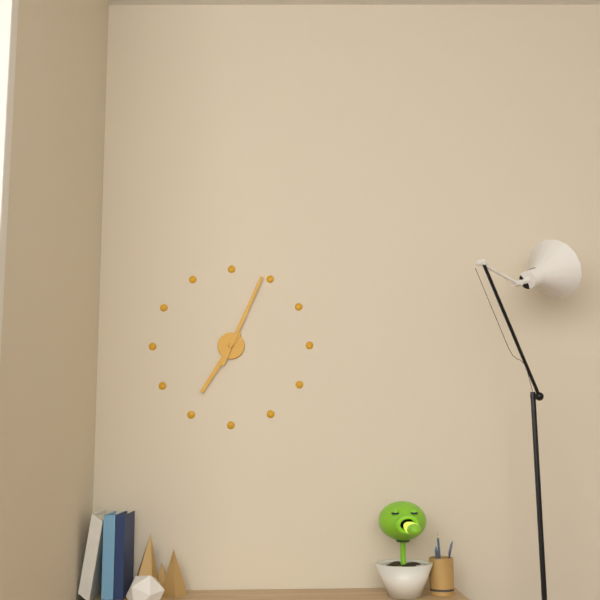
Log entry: 7,04
